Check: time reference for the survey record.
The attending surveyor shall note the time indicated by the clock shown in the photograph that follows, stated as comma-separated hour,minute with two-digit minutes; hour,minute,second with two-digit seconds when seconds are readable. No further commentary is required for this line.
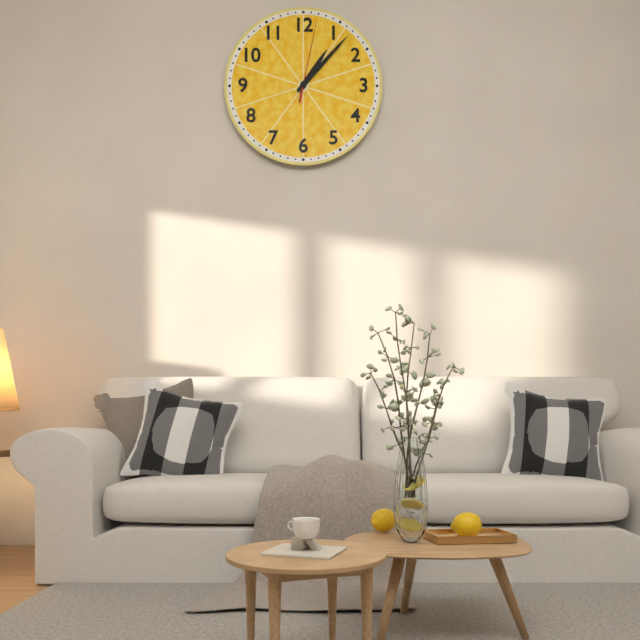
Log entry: 1,07,02
